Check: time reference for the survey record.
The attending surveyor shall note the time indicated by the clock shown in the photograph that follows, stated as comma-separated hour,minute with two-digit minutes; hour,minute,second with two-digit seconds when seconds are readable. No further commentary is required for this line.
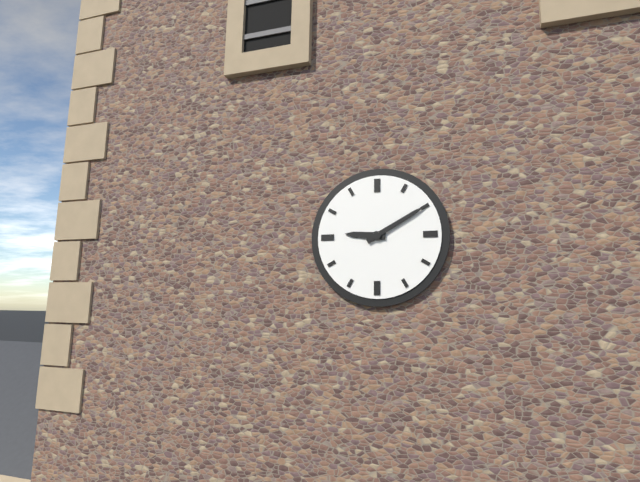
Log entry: 9,10
